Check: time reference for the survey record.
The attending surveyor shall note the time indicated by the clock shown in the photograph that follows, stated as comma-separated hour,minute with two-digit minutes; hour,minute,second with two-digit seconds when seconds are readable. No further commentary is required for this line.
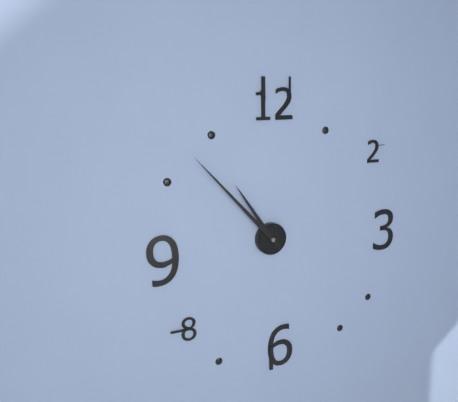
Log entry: 10,53
